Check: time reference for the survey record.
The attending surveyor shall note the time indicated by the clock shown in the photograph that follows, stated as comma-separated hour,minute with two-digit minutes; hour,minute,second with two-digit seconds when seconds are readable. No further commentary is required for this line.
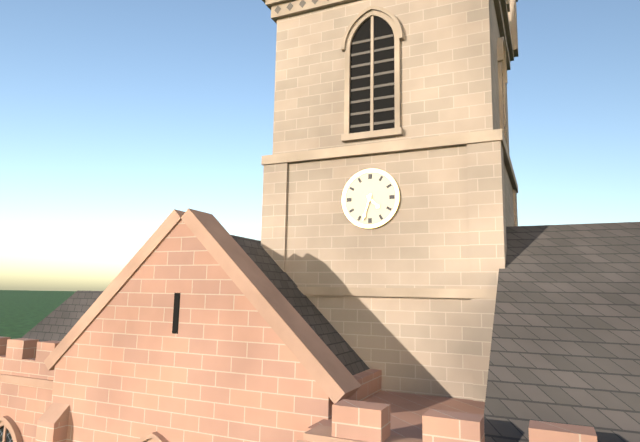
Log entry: 4,33
